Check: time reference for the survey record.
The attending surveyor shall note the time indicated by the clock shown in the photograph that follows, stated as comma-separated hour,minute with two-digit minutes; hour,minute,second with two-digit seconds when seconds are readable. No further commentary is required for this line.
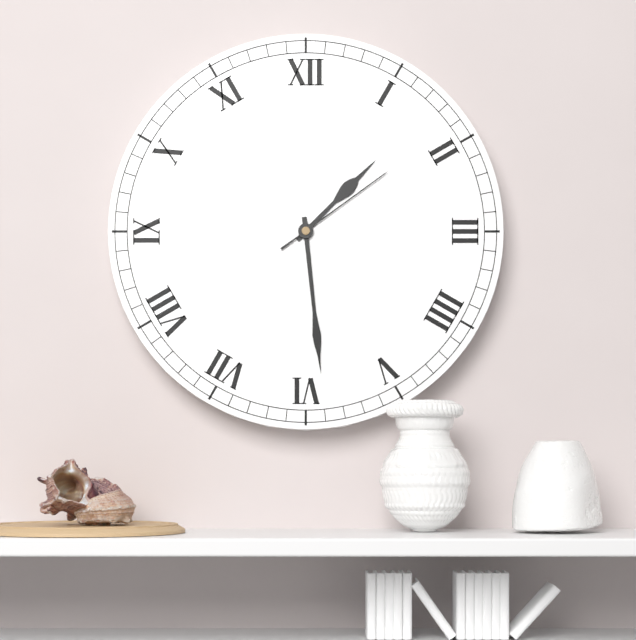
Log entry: 1,29,09
